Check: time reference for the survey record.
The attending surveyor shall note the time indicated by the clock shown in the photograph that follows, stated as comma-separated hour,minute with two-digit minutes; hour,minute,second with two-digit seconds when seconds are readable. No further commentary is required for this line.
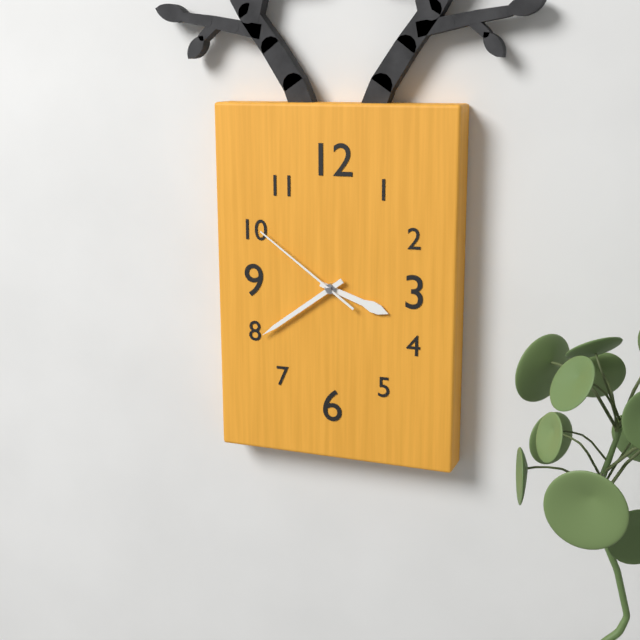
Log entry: 3,39,51
